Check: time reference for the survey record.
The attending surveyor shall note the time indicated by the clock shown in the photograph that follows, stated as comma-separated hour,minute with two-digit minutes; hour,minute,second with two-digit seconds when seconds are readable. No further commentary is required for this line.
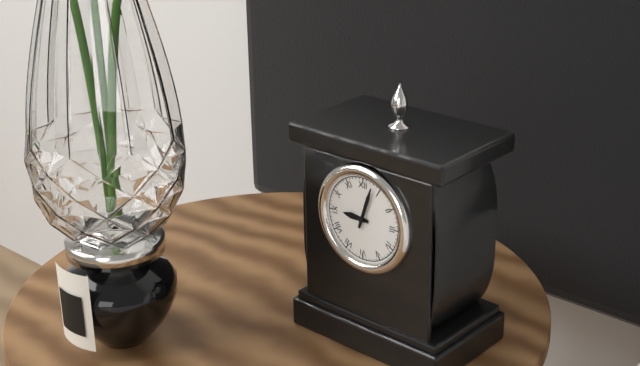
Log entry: 9,03
